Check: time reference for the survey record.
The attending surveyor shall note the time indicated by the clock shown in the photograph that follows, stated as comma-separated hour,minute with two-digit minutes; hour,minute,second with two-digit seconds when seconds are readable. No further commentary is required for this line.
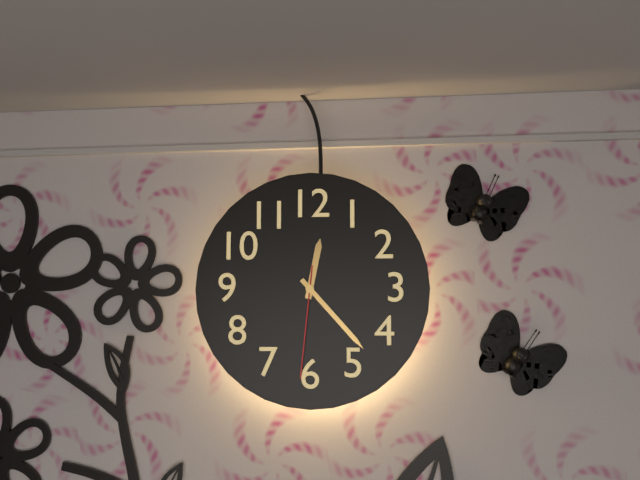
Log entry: 12,23,31
